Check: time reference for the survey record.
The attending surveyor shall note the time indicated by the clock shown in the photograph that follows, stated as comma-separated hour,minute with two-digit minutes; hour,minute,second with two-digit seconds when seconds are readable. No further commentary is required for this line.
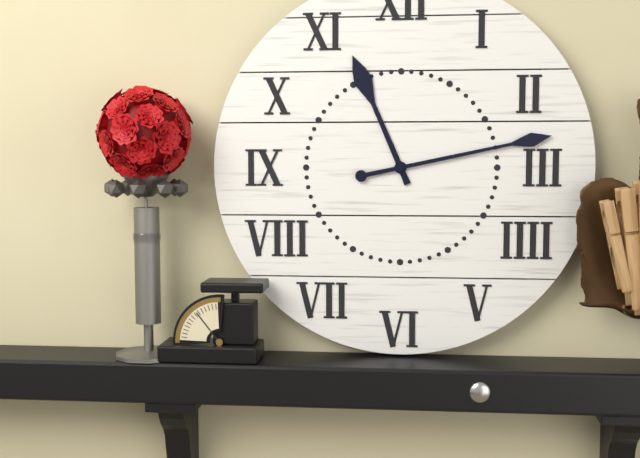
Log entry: 11,13
